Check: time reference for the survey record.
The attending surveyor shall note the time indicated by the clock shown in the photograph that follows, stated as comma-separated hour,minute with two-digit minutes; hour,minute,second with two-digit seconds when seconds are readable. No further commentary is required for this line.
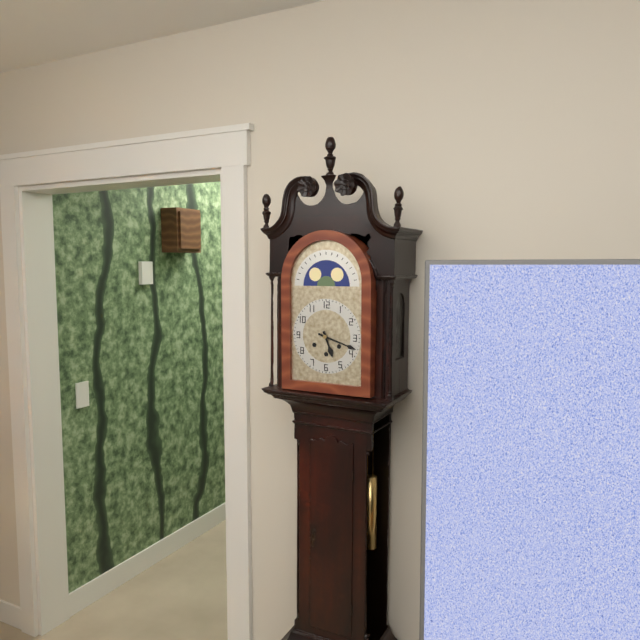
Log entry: 5,18
